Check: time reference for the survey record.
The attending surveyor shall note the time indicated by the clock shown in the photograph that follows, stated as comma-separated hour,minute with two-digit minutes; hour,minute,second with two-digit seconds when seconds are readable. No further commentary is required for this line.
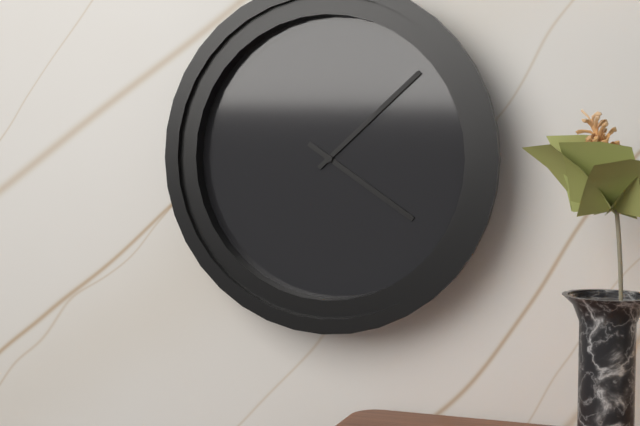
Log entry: 4,08
